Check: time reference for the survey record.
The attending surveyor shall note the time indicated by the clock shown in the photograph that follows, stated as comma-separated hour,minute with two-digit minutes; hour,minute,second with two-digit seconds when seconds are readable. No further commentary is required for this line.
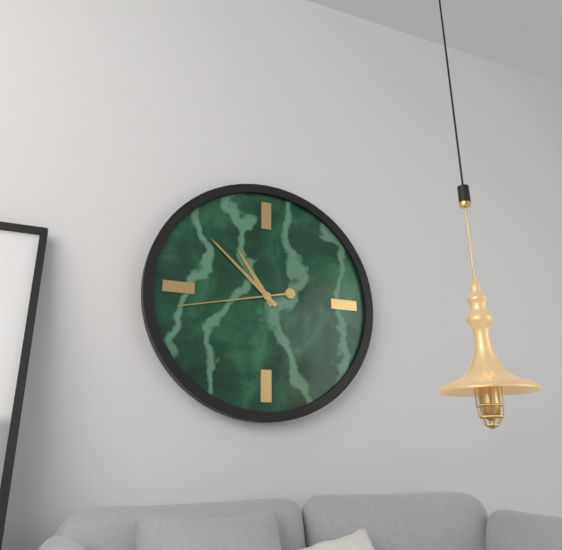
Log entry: 10,52,43
